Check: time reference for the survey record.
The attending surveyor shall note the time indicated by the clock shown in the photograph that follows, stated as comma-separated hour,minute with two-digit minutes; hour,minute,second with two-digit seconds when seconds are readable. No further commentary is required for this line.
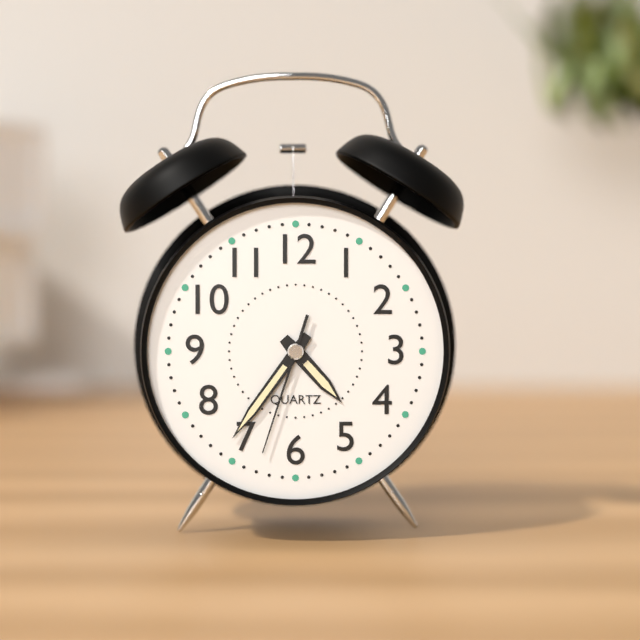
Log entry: 4,36,33
